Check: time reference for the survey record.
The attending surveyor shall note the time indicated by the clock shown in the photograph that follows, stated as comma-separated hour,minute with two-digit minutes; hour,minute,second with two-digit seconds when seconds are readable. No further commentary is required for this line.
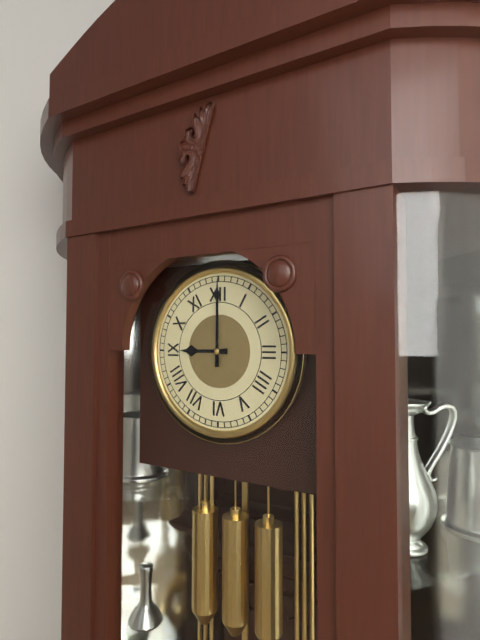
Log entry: 9,00
